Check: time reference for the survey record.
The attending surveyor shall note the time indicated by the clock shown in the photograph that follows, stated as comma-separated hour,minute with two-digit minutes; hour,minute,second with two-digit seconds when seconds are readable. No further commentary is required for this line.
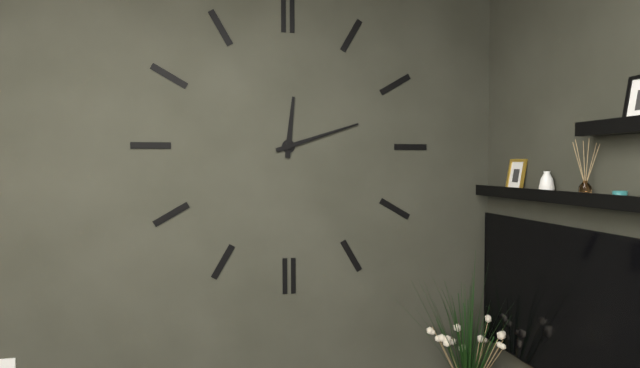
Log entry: 12,12
